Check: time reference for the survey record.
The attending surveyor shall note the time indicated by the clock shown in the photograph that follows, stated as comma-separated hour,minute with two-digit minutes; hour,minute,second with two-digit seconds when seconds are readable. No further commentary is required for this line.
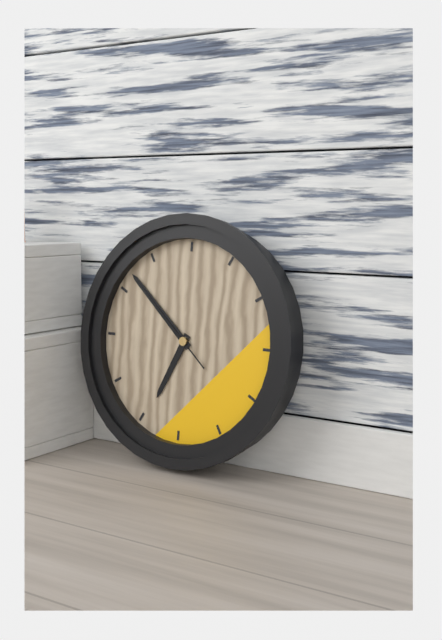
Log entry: 6,52,52
